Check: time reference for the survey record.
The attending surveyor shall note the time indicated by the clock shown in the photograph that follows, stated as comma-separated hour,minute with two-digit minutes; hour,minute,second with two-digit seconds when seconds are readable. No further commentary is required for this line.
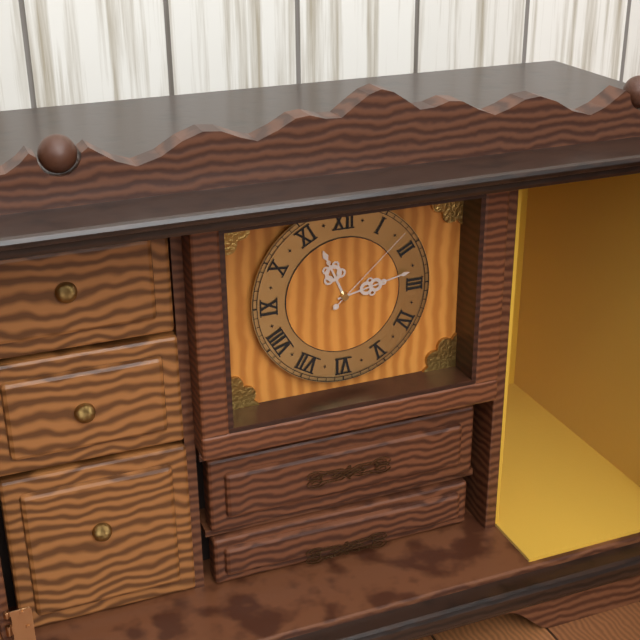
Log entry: 11,13,08
